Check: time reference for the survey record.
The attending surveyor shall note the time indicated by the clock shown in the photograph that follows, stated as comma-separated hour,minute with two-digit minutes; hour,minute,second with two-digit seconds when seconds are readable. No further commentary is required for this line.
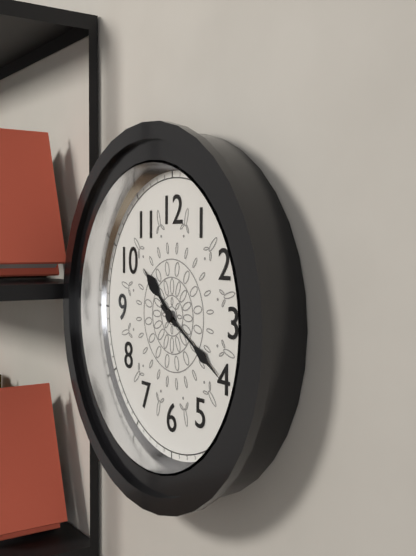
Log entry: 10,20
